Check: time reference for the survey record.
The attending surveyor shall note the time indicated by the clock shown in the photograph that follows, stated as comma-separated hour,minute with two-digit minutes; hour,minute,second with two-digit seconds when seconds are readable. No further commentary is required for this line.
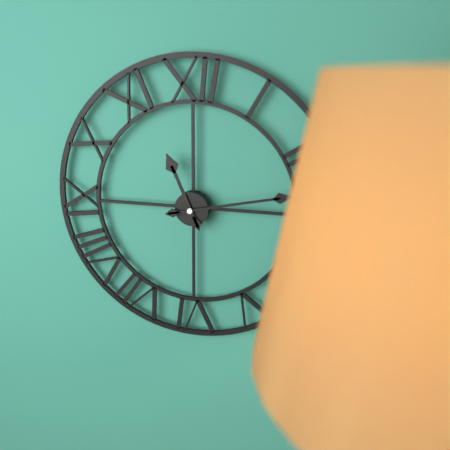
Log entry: 11,13
